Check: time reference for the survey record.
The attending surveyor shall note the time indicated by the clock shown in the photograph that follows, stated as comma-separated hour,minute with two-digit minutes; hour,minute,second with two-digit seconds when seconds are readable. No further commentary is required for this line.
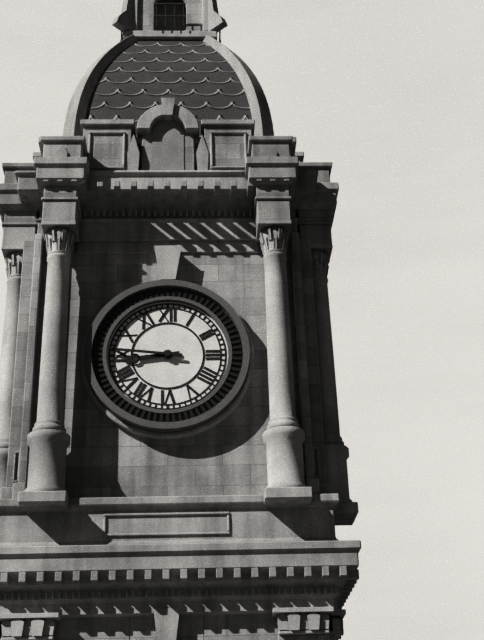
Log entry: 8,46
